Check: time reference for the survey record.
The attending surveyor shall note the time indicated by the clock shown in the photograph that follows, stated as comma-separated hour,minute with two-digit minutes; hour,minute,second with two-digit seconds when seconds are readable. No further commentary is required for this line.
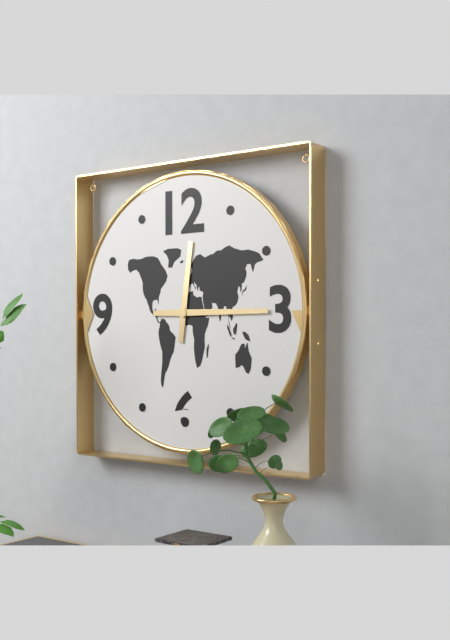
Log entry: 12,15
